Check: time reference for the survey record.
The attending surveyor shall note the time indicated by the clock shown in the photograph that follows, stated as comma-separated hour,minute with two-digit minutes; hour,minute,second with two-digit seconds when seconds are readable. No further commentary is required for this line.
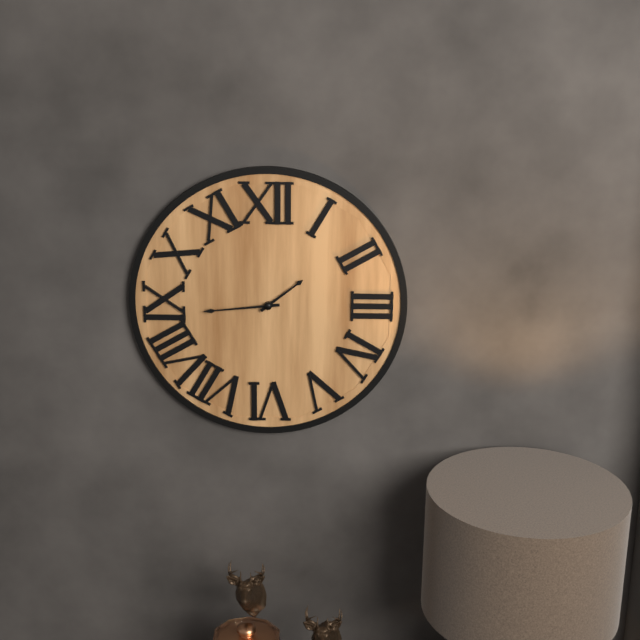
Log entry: 1,44
